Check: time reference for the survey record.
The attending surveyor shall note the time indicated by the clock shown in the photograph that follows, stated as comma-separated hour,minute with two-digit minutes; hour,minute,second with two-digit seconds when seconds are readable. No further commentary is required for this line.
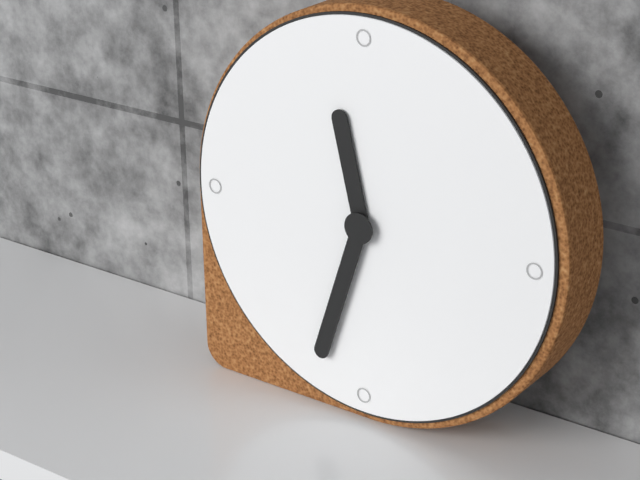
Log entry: 11,33
